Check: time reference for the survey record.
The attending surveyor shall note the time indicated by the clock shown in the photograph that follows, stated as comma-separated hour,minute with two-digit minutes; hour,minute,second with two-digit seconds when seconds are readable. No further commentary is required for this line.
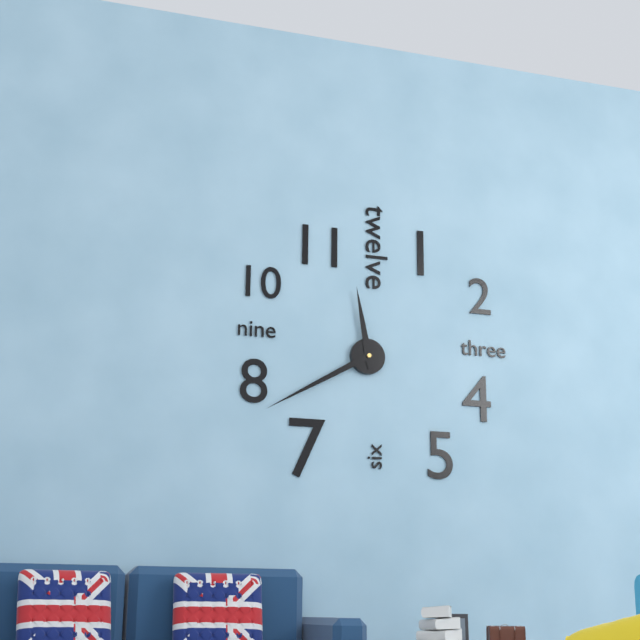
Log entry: 11,40
